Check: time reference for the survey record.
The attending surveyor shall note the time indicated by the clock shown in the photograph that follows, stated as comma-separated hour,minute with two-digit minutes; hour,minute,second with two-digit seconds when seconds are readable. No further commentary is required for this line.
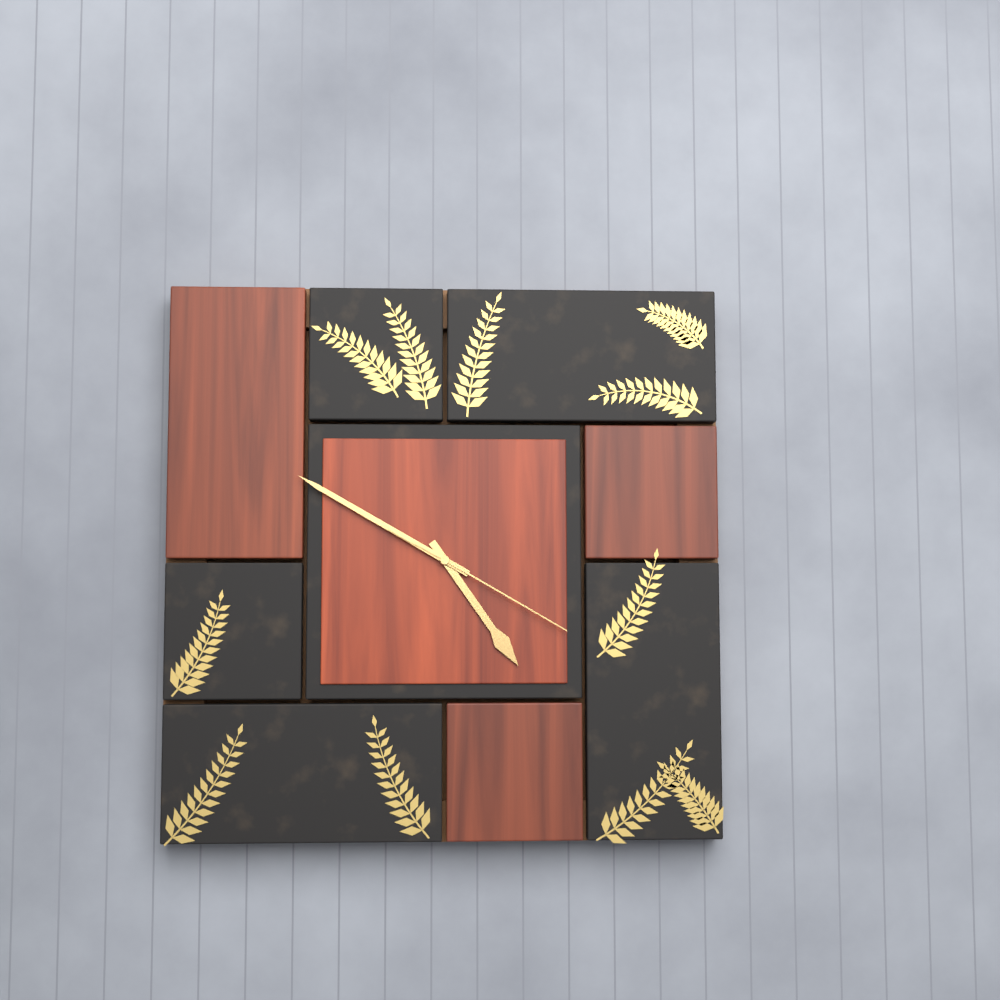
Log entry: 4,50,20
